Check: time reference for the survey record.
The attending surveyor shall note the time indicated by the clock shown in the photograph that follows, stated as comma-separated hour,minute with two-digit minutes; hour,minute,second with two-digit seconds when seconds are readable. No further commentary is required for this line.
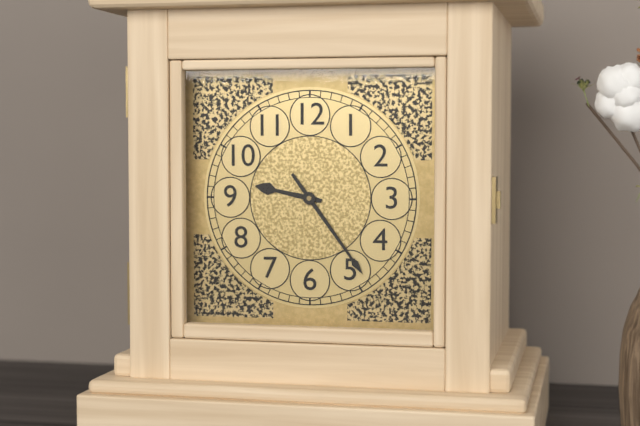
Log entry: 9,24
